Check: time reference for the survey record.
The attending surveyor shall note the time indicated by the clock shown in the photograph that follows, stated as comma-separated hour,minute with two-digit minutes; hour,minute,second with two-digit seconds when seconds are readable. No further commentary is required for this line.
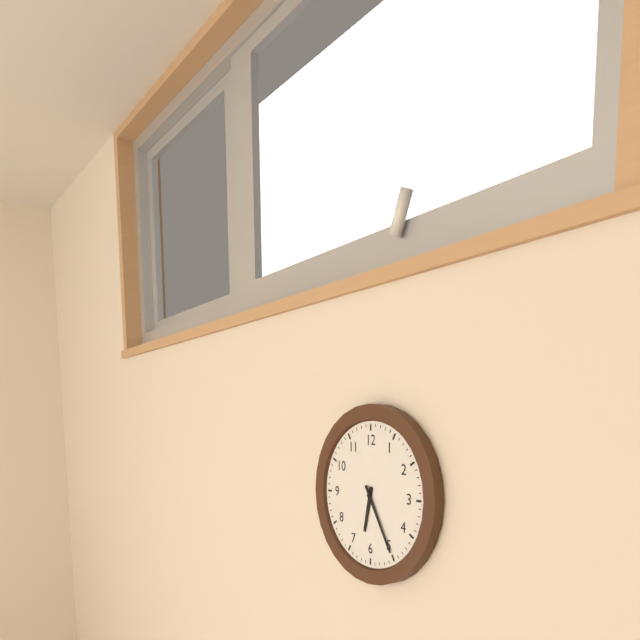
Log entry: 6,25
